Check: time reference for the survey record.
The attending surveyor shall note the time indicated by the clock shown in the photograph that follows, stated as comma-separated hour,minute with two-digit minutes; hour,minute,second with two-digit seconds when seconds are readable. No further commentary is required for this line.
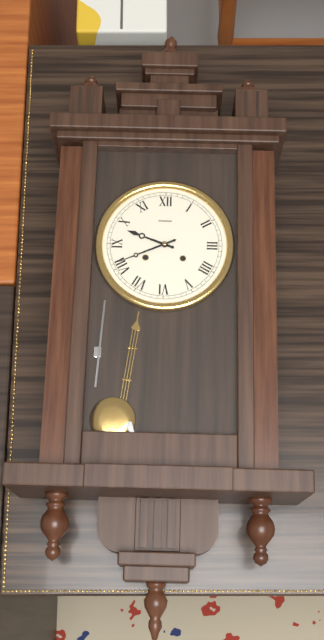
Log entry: 9,41
